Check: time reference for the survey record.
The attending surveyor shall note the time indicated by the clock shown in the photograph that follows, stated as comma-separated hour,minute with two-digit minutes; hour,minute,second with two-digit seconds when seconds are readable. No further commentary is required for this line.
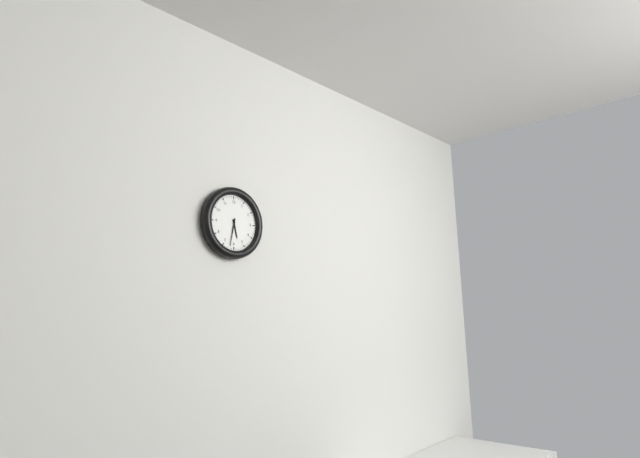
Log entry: 5,32
